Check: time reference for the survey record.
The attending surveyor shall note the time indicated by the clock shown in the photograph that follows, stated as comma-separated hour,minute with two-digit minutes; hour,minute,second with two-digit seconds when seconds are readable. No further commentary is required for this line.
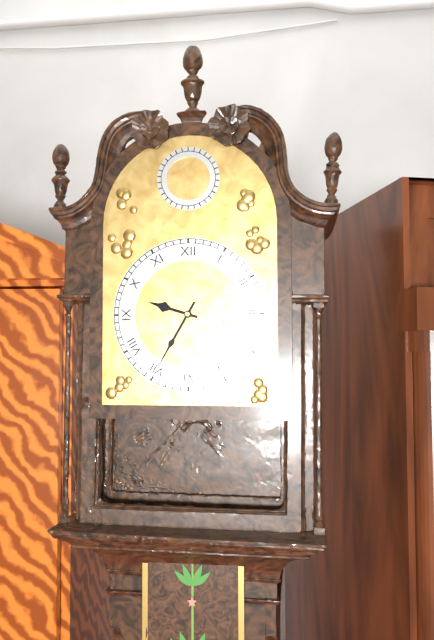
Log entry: 9,35
